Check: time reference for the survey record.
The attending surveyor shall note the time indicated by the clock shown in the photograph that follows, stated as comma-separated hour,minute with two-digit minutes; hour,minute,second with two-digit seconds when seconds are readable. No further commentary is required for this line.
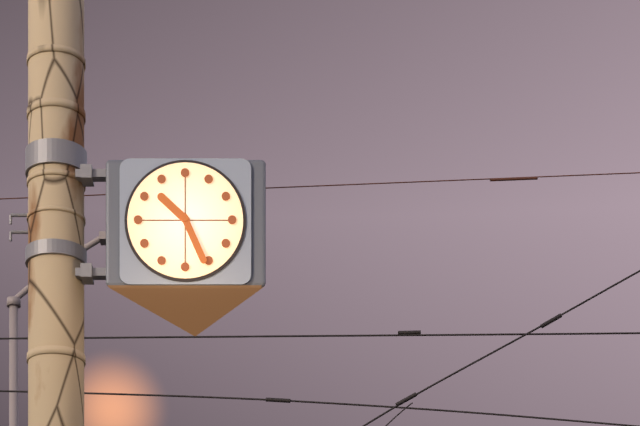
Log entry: 10,26
